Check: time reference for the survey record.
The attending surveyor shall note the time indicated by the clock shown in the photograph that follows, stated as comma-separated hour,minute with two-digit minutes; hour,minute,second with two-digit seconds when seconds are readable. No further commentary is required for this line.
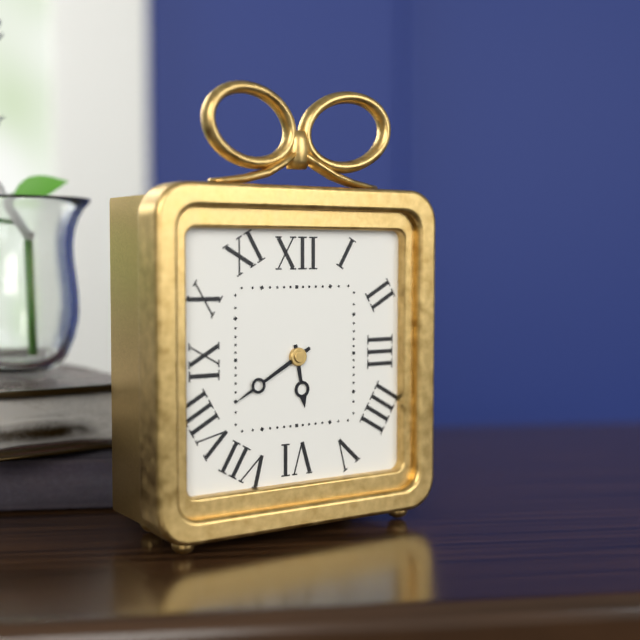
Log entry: 5,40
